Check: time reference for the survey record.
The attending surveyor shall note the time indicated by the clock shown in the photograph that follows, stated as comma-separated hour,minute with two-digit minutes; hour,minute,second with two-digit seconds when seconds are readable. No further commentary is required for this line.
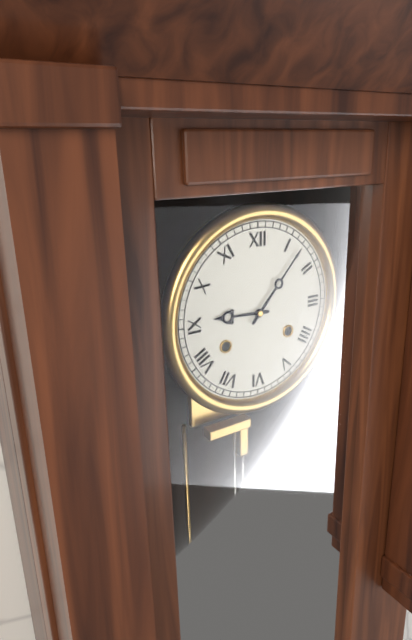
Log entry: 9,07
